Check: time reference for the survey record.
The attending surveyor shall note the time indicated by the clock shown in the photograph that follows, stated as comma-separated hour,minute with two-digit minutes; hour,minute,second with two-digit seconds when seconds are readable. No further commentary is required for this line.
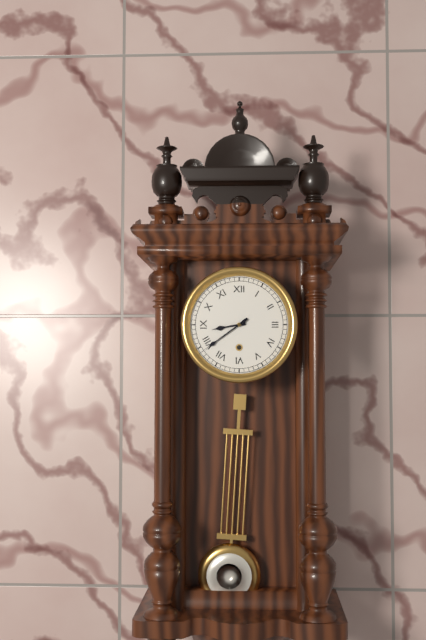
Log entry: 8,39
